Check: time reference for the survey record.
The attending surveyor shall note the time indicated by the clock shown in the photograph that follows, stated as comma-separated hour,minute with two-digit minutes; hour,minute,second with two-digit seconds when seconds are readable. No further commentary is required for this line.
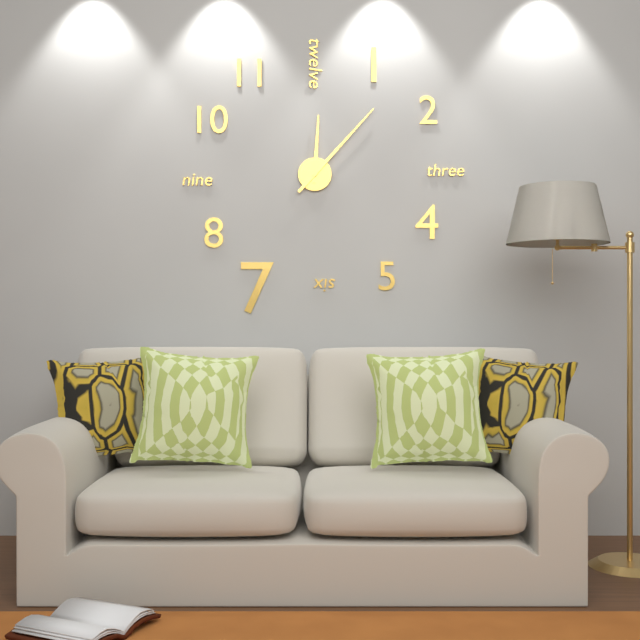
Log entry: 12,07
